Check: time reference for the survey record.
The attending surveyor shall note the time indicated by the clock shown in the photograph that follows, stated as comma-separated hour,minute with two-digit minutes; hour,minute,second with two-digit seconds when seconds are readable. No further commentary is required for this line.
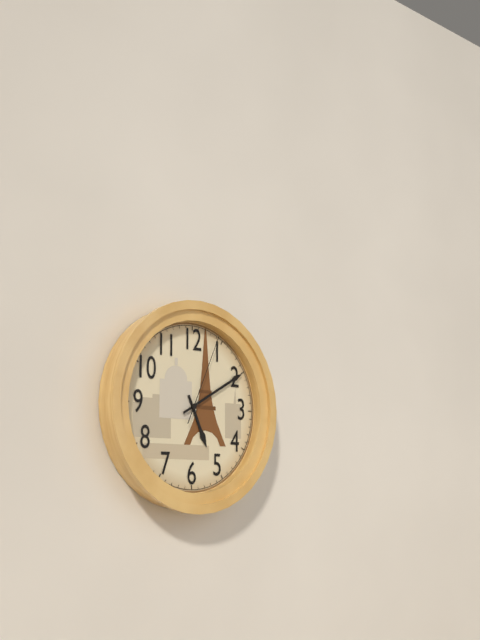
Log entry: 5,10,04
